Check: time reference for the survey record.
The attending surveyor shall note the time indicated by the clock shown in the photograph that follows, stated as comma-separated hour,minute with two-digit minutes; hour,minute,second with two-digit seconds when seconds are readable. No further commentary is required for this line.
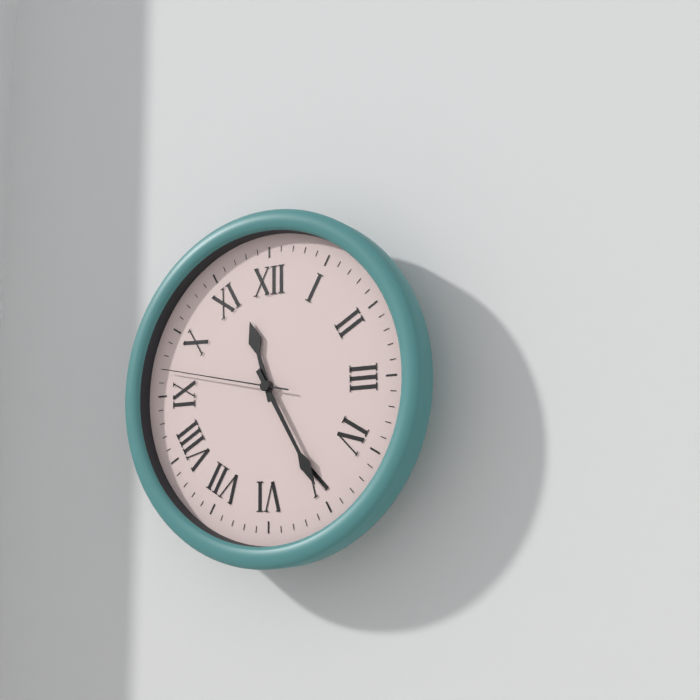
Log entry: 11,25,47
